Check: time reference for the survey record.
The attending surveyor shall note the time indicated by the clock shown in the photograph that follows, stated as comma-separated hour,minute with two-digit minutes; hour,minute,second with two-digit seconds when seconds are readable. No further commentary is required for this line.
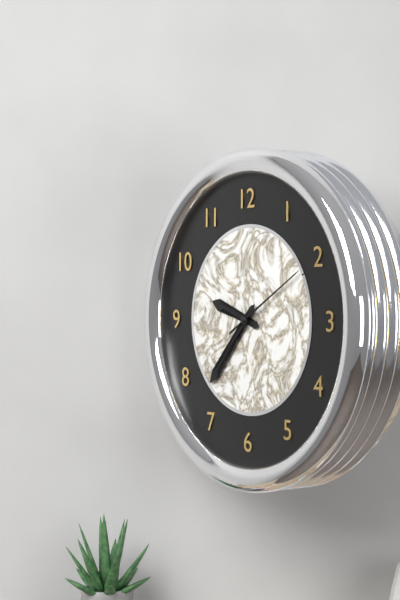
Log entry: 9,37,10
